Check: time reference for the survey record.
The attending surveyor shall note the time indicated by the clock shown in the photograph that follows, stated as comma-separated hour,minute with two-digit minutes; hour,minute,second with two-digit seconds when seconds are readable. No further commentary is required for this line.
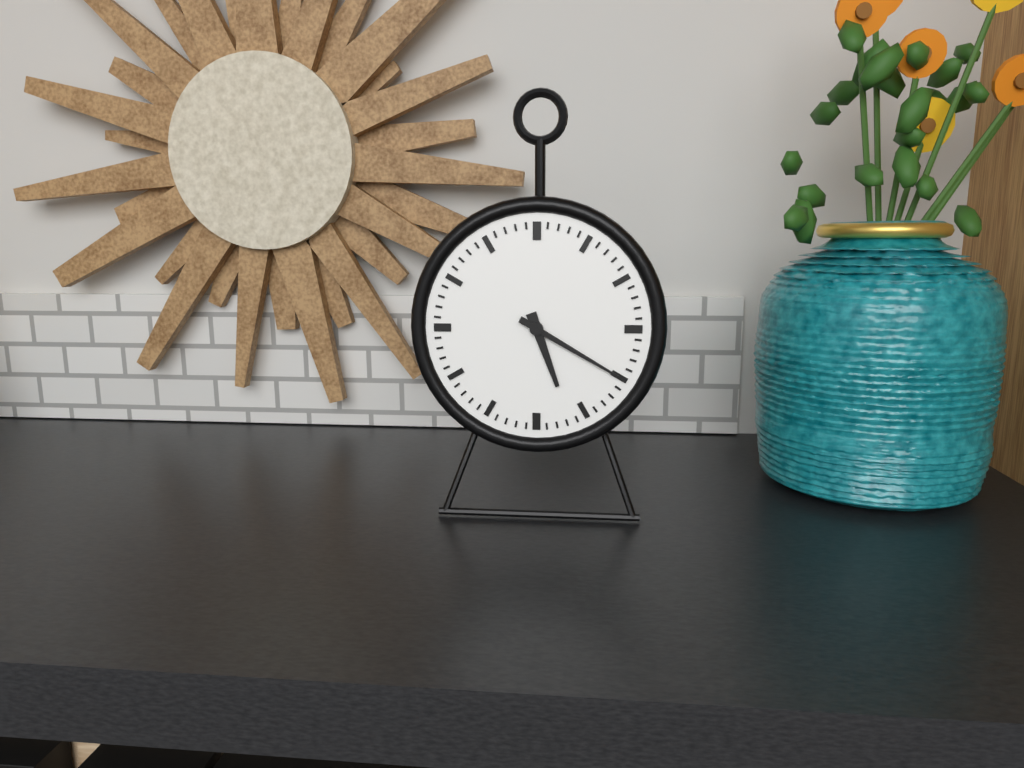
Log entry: 5,20
